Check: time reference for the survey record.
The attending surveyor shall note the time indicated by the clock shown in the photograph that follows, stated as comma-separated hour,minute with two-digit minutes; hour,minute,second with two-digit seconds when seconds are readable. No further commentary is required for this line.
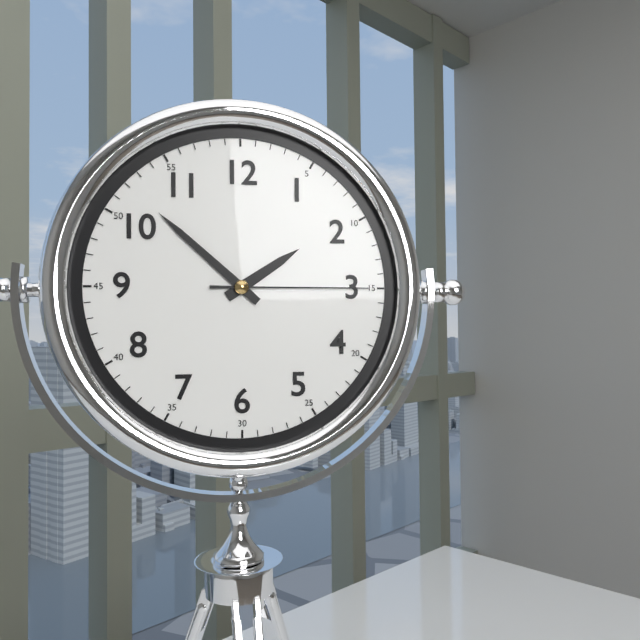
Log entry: 1,52,15
